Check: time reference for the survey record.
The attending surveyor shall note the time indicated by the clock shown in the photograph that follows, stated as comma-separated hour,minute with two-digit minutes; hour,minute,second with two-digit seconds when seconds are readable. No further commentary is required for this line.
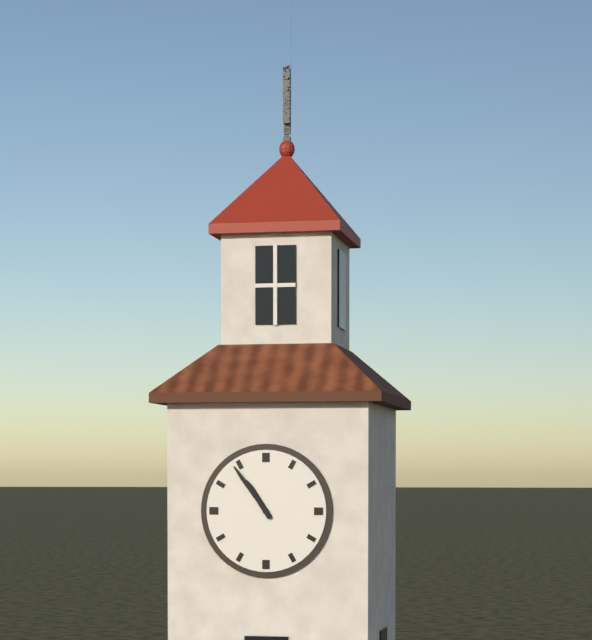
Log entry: 10,54
